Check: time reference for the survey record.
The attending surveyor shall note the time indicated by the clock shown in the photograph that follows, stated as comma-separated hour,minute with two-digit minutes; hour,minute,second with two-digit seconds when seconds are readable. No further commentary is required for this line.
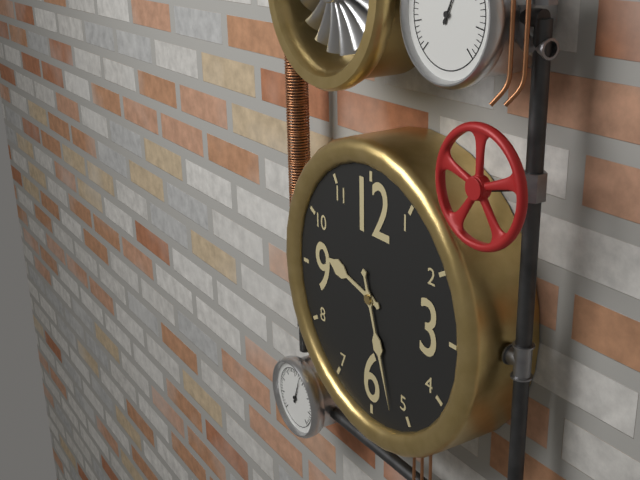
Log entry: 9,27
